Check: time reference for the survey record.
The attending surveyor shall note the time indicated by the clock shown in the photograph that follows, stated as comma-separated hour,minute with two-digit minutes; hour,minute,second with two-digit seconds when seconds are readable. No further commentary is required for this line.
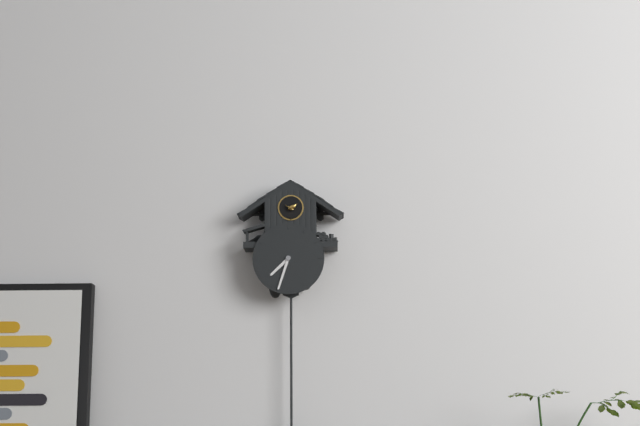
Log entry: 7,33
